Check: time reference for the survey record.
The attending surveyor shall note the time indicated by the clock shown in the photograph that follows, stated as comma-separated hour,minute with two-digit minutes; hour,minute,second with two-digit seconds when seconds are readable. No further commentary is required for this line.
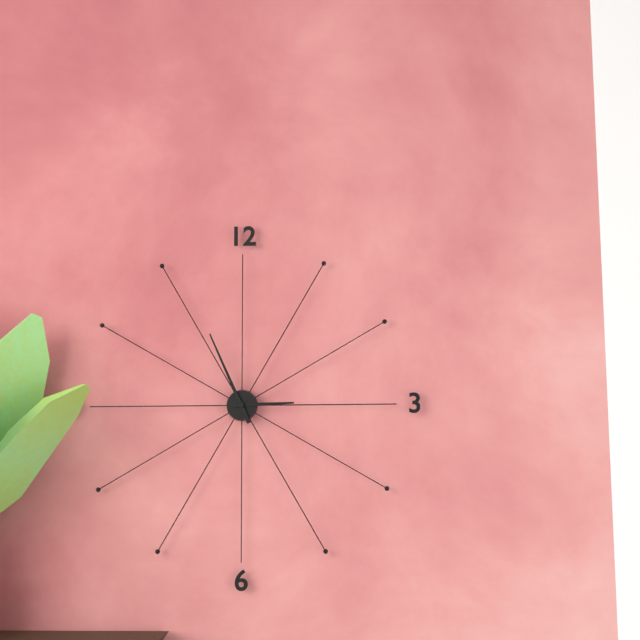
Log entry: 2,56
